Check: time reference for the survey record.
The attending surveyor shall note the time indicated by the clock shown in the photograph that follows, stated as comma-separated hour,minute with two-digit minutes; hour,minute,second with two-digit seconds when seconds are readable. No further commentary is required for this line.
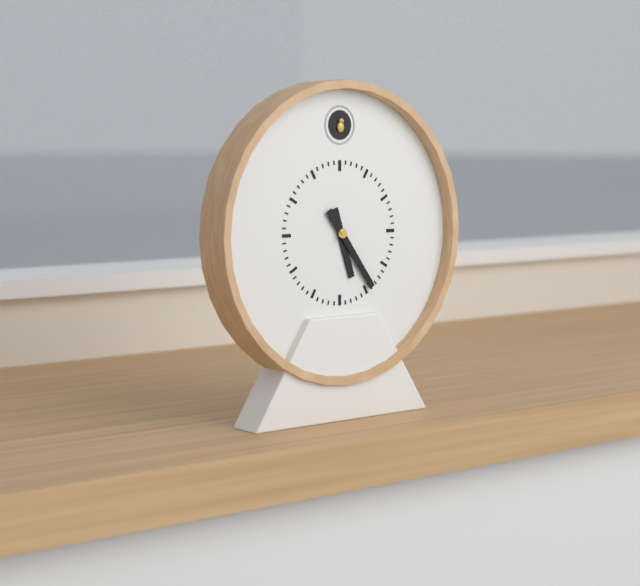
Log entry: 5,24
